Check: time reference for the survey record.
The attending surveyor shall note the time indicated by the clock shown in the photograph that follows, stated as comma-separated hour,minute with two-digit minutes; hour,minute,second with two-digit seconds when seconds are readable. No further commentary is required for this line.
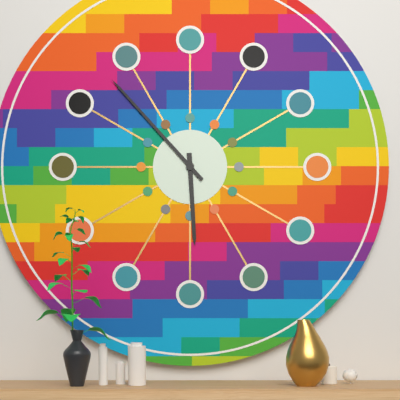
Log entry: 5,53
